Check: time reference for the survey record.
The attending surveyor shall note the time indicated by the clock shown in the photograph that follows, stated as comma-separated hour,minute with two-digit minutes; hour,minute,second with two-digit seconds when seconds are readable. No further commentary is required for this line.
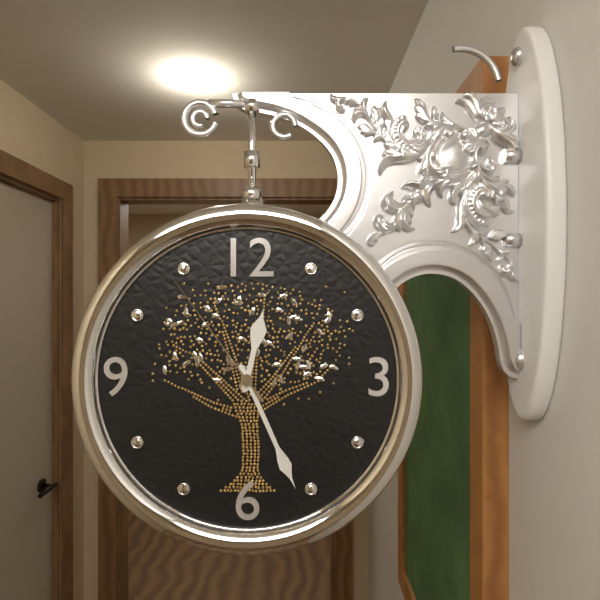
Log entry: 12,26,54
